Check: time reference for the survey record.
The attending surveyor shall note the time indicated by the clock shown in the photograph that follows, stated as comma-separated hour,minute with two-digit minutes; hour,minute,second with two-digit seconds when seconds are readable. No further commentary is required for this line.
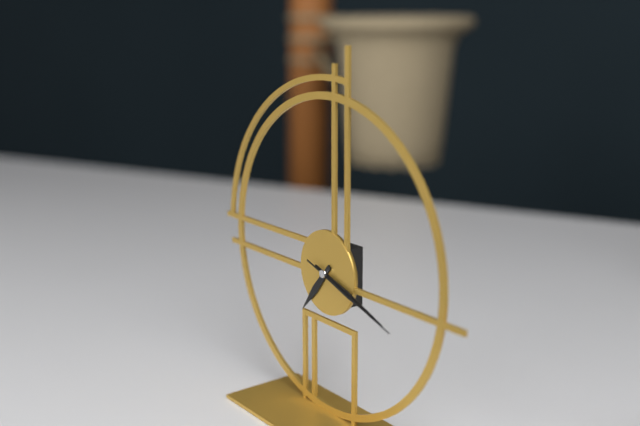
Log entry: 7,18,18
